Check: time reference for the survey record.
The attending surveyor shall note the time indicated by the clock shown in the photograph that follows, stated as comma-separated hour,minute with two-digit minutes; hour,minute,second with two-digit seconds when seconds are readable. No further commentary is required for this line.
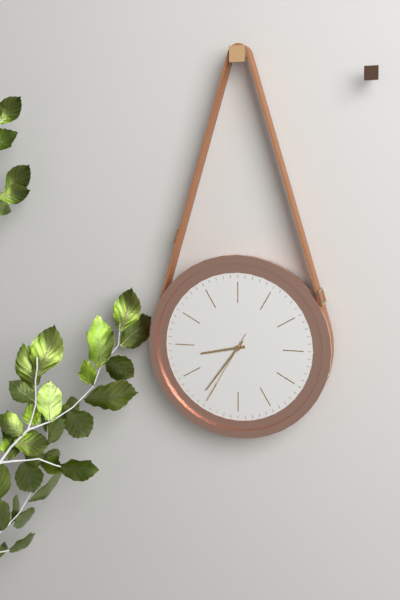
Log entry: 8,36,35
